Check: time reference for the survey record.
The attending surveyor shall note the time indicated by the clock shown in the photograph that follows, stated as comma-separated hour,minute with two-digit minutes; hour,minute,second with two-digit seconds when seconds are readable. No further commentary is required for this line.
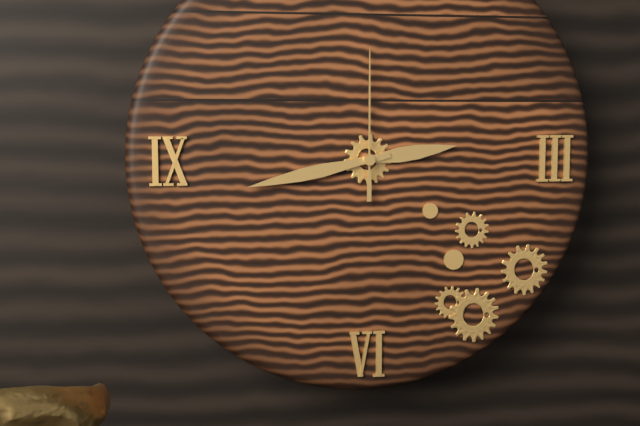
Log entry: 2,43,00
